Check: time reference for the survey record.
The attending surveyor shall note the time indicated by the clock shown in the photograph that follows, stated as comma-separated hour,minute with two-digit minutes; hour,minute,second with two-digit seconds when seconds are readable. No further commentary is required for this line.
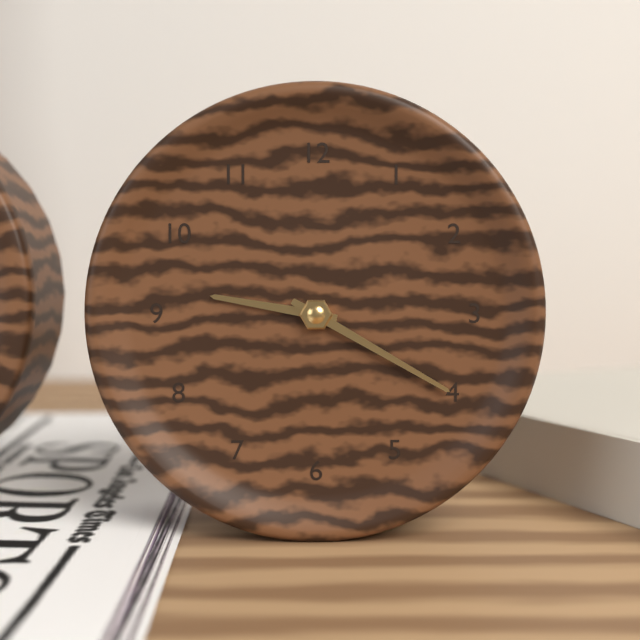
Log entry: 9,20
